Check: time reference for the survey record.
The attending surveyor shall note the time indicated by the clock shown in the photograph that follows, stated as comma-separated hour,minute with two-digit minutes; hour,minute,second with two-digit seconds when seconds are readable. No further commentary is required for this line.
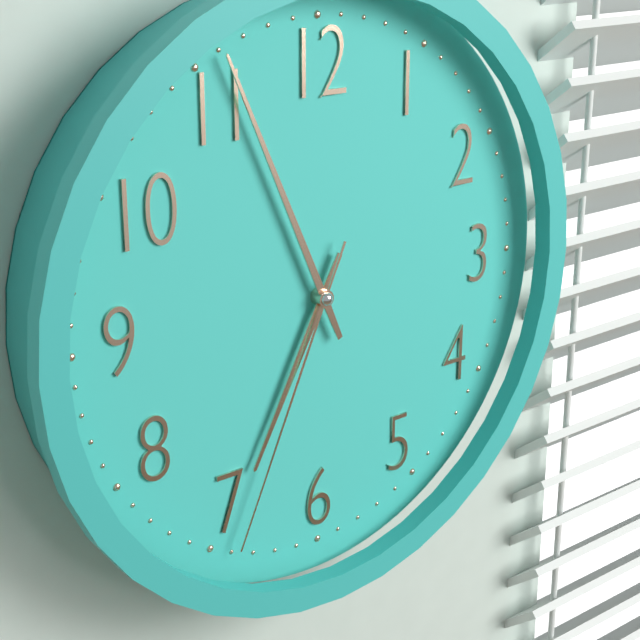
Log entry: 6,56,34
